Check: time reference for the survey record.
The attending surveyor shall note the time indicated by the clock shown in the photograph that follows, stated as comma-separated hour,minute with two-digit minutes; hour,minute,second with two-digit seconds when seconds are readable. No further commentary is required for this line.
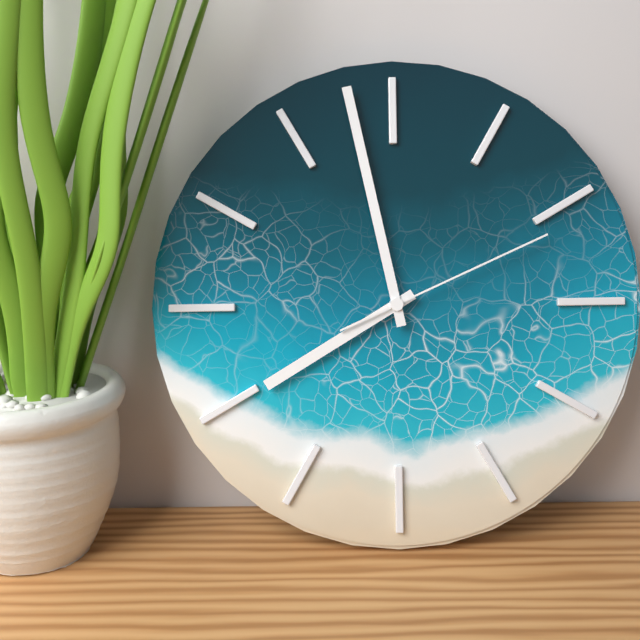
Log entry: 7,58,11
